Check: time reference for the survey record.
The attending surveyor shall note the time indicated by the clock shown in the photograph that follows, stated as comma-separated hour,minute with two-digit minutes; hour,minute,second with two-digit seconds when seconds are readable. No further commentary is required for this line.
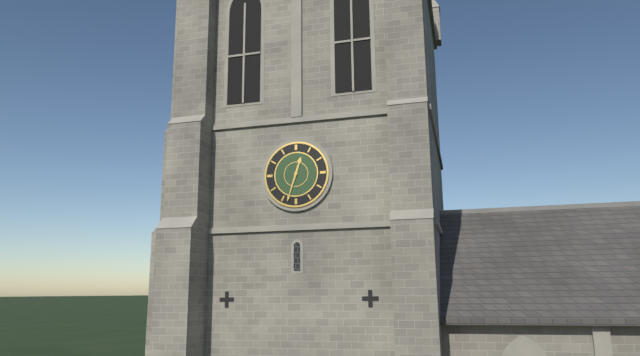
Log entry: 12,33
